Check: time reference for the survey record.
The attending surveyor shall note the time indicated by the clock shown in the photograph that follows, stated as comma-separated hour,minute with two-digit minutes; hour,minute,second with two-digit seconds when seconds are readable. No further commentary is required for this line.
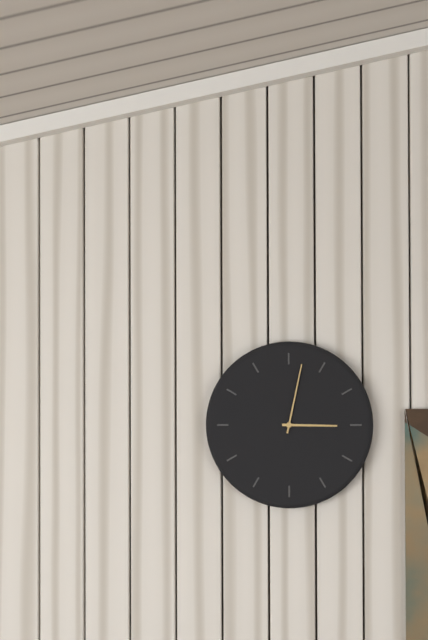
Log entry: 3,02
